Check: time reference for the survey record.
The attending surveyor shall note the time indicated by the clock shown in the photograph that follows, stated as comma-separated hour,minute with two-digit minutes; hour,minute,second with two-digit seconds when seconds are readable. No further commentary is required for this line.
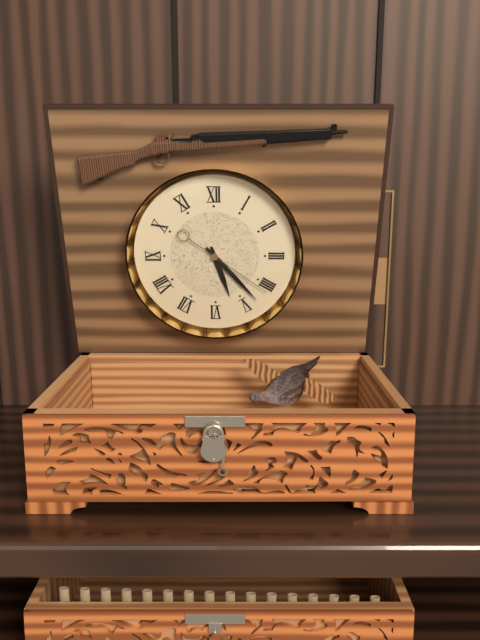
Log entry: 5,23,21
